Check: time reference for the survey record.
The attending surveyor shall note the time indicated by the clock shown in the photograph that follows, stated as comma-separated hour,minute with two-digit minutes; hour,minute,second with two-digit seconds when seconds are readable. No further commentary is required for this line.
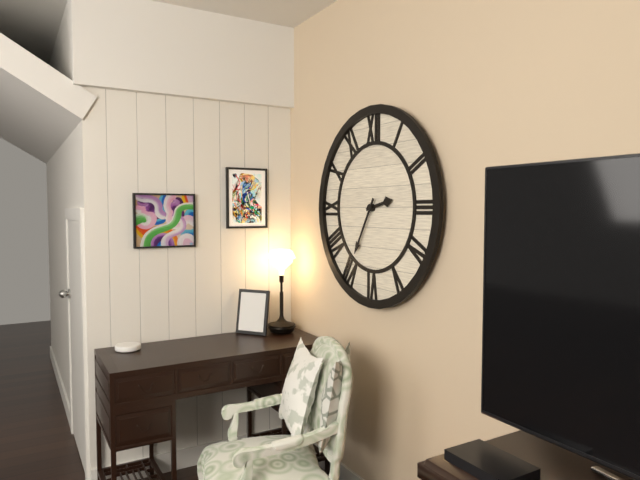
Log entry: 2,35
